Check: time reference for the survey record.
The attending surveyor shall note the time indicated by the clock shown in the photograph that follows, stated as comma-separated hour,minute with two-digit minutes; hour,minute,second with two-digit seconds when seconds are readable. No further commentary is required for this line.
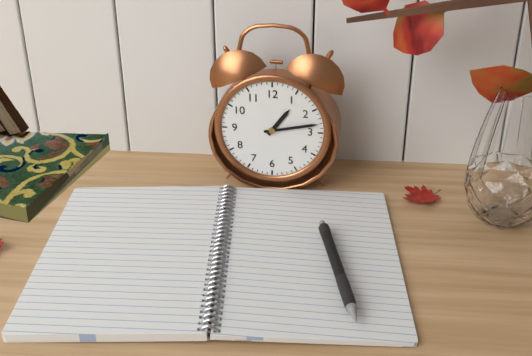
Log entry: 1,13
